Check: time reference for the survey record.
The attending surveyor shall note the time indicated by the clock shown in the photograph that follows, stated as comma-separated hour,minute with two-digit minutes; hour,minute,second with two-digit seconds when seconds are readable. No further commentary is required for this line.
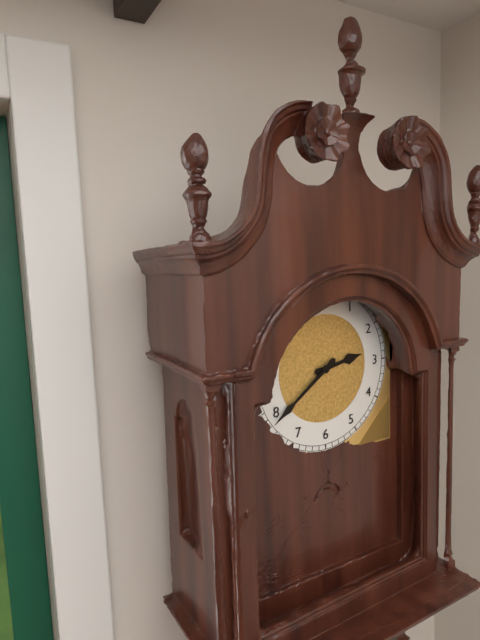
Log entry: 2,39
